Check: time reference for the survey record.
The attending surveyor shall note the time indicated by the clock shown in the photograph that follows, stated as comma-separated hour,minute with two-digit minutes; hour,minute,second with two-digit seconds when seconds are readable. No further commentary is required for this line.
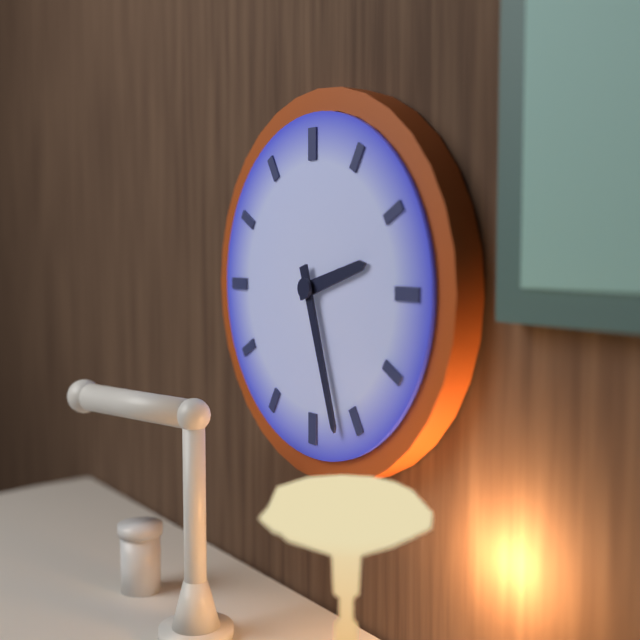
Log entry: 2,27
